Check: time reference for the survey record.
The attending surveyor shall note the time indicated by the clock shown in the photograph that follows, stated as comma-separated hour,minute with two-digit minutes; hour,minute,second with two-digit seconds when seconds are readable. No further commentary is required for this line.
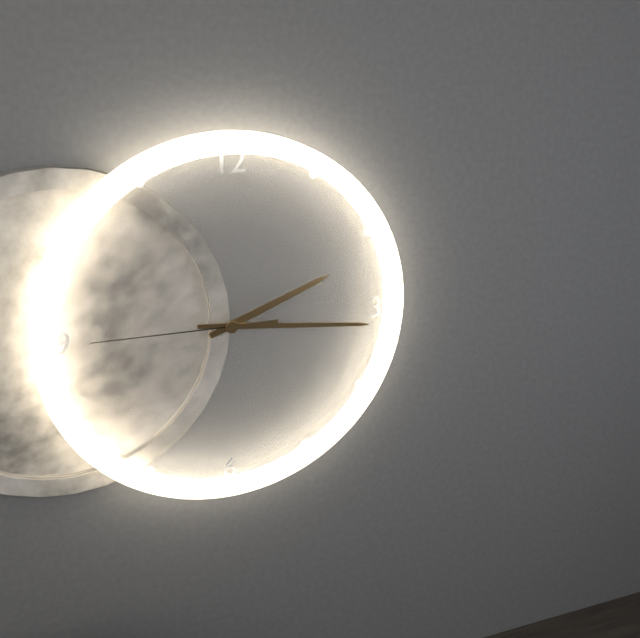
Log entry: 2,16,45
